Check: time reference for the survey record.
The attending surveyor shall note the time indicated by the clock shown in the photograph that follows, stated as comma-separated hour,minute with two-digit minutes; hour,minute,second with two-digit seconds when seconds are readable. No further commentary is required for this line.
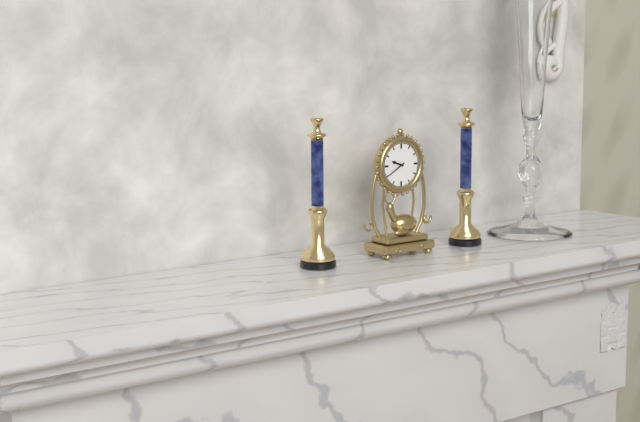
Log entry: 9,40
